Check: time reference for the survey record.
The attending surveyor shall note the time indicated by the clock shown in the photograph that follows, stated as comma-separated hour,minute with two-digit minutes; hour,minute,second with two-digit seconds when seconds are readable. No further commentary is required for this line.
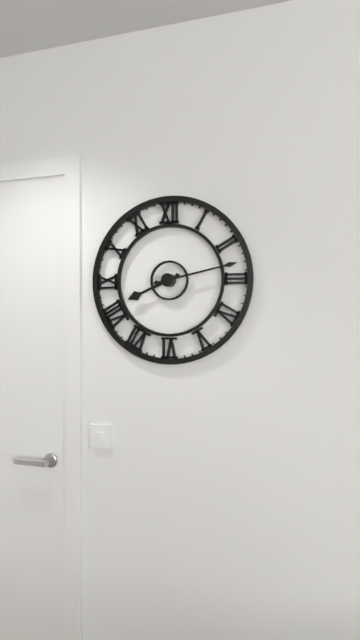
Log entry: 8,13
